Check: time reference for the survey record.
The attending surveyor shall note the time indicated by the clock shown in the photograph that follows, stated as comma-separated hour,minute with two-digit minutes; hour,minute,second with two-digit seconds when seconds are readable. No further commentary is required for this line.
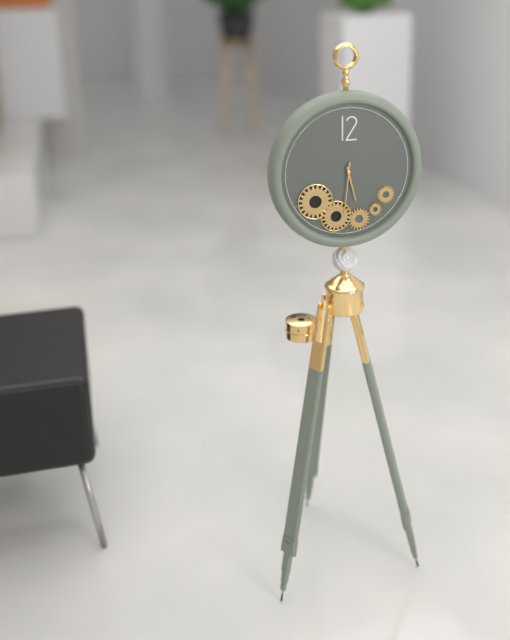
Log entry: 5,31
